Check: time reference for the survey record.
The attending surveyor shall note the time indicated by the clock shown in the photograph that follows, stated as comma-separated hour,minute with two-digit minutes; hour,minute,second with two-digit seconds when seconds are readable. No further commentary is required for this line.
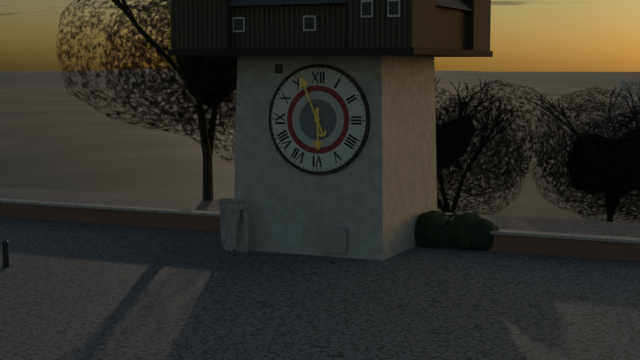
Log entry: 5,56
